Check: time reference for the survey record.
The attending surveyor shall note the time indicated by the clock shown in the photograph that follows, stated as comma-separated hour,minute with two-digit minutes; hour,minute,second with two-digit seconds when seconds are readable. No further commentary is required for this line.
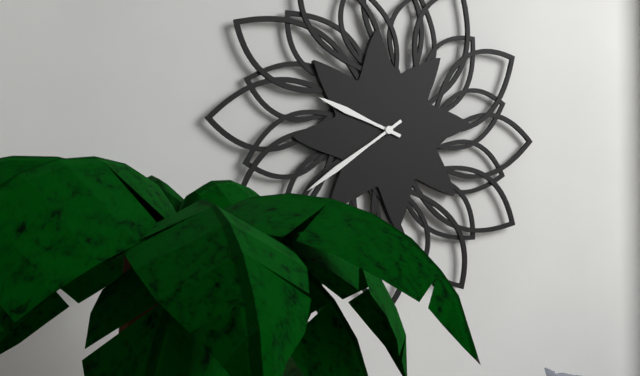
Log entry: 9,39
